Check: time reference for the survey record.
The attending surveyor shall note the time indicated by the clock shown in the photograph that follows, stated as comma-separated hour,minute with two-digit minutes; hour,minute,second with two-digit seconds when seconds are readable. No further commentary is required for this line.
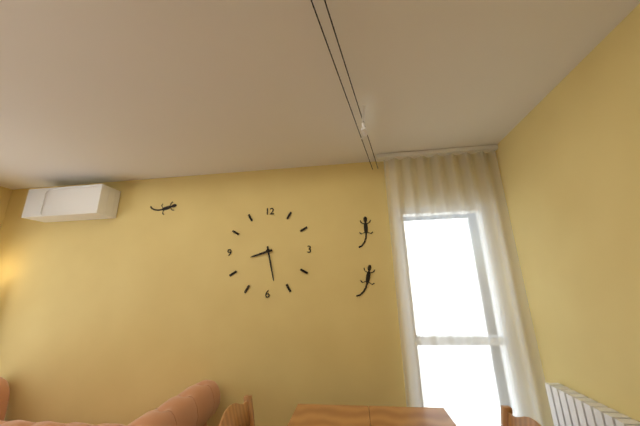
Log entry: 8,28
